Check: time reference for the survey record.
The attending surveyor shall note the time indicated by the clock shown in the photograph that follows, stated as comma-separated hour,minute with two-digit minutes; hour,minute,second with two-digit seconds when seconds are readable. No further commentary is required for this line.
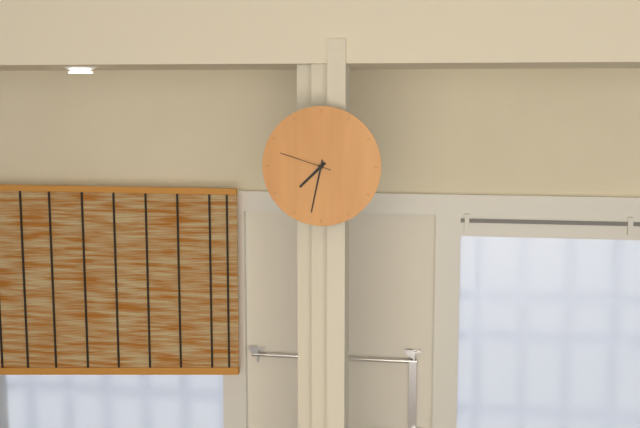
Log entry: 7,32,48
